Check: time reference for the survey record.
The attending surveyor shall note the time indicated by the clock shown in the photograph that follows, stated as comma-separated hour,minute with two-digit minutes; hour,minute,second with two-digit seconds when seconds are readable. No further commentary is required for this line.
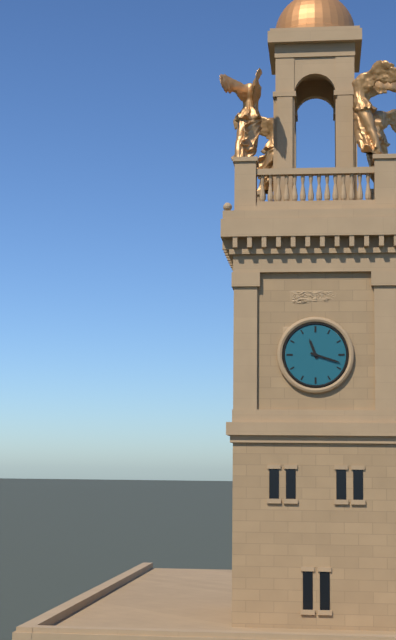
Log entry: 11,18
